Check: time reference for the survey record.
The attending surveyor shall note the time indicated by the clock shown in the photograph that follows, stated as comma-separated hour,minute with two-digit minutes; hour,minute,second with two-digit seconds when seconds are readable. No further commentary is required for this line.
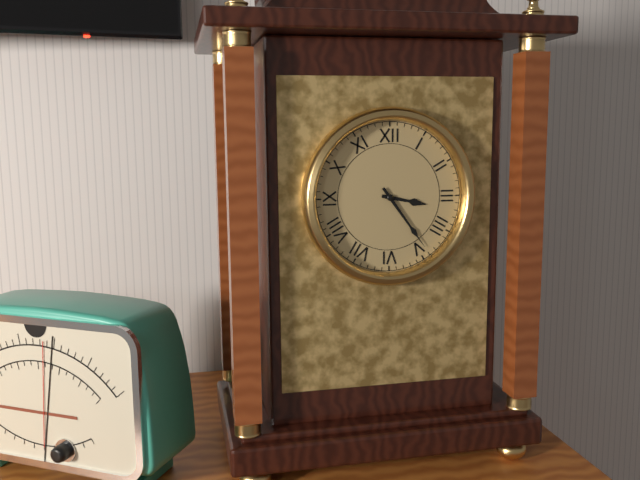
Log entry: 3,24
